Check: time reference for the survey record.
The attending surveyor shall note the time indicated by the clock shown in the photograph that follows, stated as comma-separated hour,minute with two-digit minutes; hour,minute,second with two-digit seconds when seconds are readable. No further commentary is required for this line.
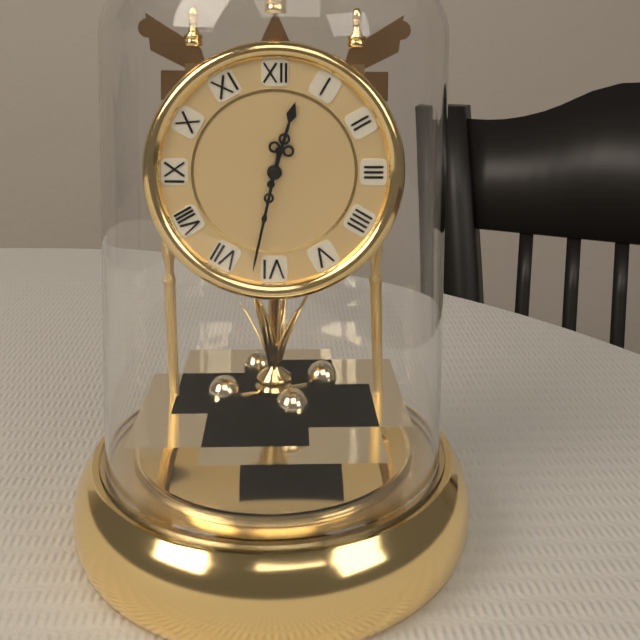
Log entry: 12,32
